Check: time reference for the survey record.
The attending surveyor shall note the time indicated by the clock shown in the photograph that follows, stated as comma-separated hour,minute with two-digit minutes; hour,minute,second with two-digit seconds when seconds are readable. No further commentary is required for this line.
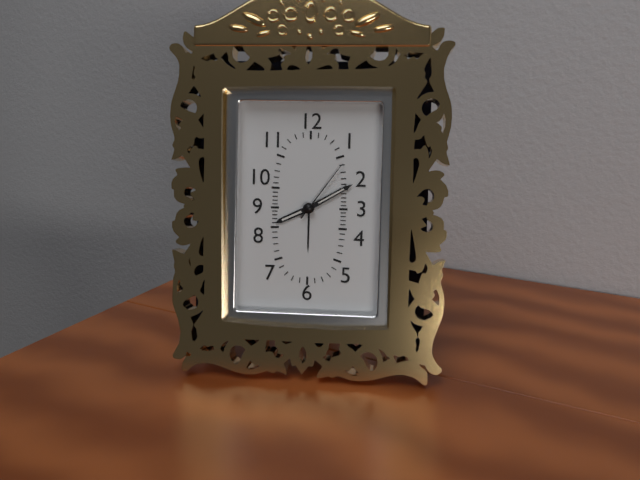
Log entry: 8,10,06
